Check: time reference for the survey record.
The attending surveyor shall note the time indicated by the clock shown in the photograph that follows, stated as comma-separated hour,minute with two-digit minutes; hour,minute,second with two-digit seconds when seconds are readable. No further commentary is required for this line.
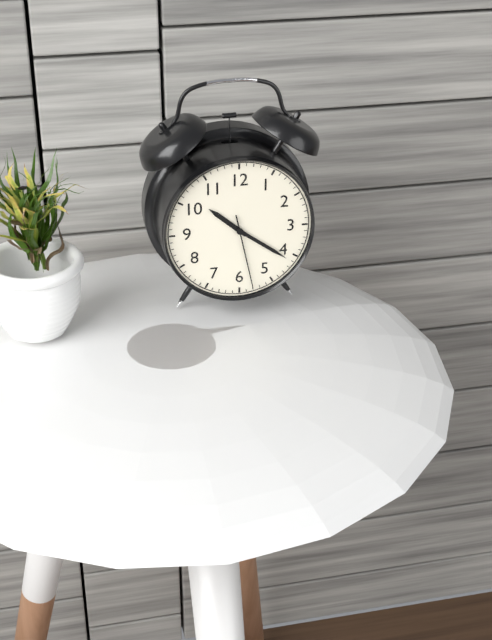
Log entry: 10,21,28
